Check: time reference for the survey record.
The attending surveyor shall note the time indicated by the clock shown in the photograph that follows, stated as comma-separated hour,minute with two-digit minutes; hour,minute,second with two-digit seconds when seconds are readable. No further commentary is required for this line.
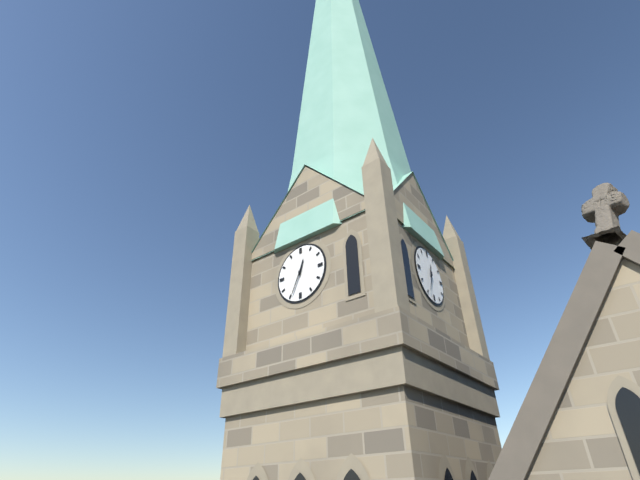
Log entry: 12,34
